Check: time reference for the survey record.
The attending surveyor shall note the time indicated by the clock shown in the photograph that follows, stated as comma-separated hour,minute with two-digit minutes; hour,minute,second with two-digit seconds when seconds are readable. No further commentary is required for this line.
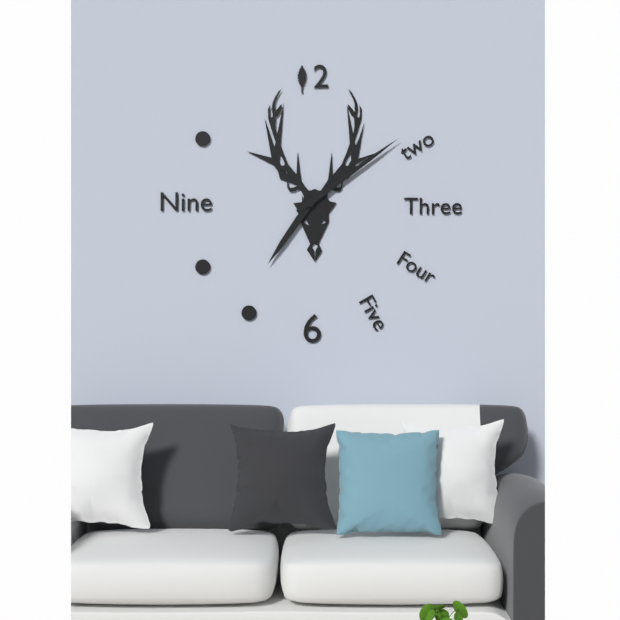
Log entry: 7,09
